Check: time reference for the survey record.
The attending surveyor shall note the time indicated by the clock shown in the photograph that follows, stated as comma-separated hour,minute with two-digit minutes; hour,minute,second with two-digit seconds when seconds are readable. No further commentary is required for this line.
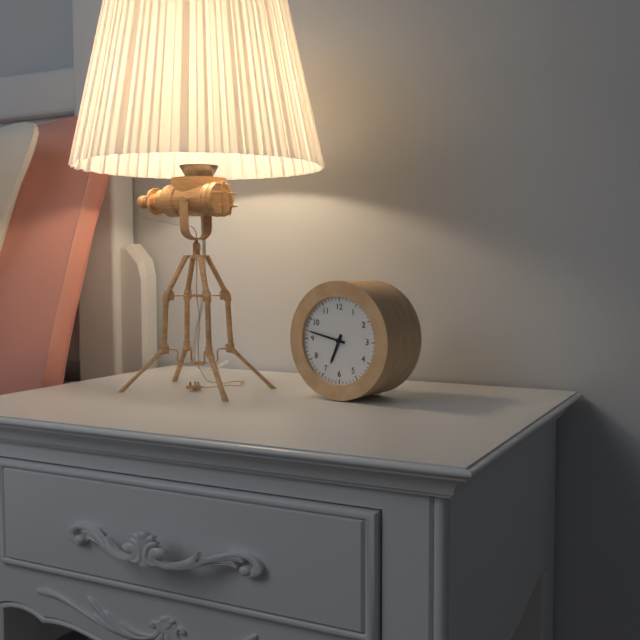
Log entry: 6,47
